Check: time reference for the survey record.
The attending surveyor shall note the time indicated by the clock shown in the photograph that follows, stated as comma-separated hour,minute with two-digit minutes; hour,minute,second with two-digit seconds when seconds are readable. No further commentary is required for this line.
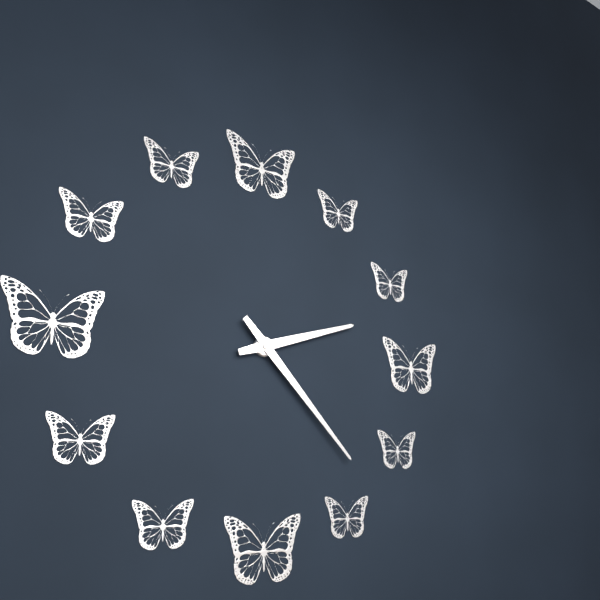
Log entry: 2,23
